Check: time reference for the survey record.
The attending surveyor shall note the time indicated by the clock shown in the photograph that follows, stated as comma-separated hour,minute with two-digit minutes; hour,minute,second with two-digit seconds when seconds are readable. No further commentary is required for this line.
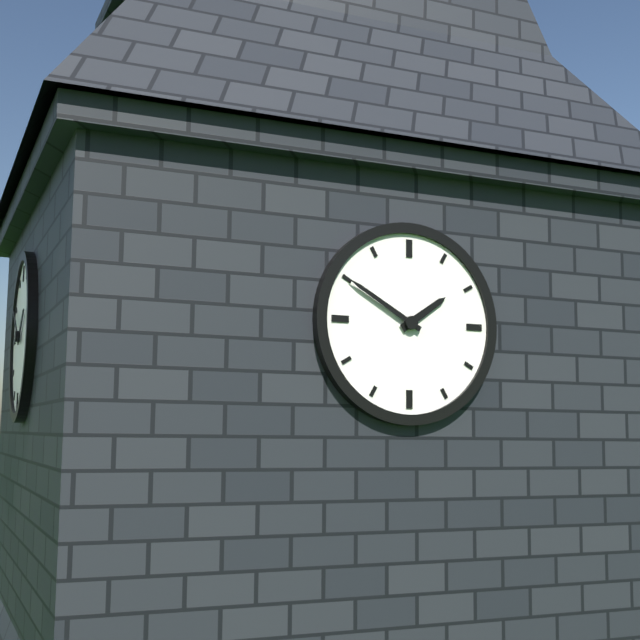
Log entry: 1,50
